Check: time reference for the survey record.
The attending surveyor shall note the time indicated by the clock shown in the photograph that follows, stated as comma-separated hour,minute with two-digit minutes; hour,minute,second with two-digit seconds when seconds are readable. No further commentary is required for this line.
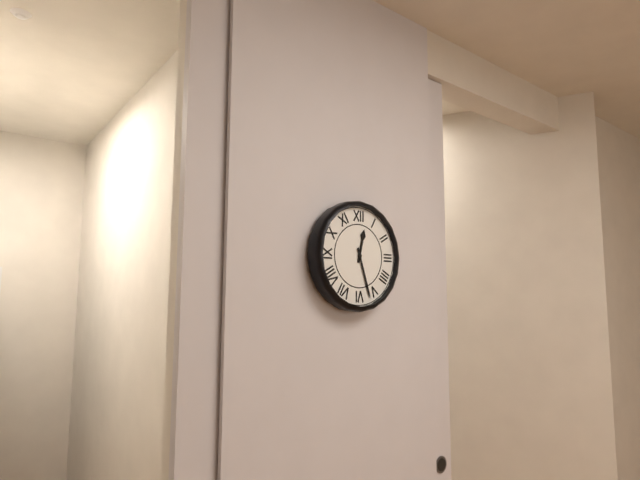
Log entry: 12,27
